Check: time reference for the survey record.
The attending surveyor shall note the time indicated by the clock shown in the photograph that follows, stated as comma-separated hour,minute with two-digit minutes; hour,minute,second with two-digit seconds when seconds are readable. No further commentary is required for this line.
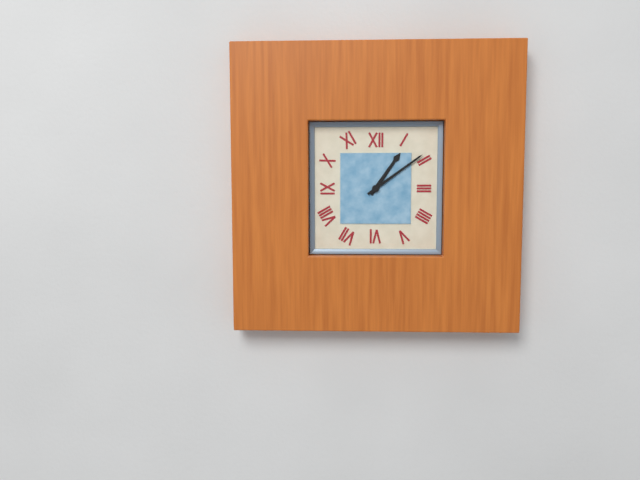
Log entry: 1,09
